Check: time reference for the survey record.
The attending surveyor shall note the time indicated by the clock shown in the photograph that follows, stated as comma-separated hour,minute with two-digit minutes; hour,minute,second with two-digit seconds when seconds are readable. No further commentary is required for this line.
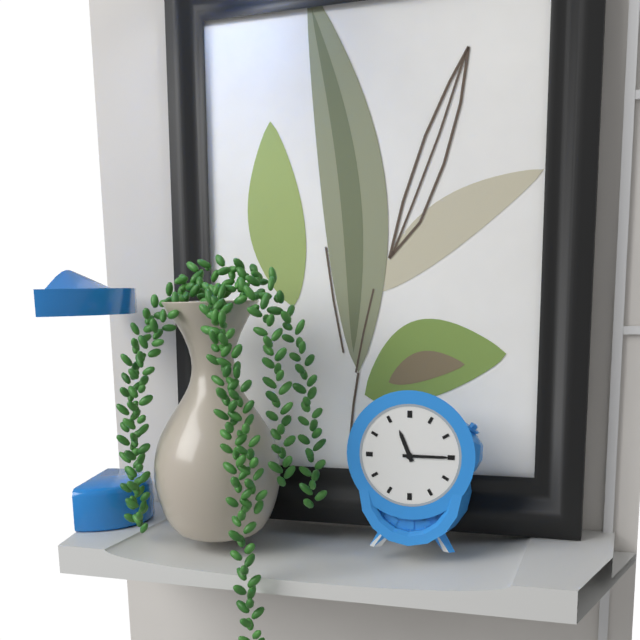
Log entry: 11,15
